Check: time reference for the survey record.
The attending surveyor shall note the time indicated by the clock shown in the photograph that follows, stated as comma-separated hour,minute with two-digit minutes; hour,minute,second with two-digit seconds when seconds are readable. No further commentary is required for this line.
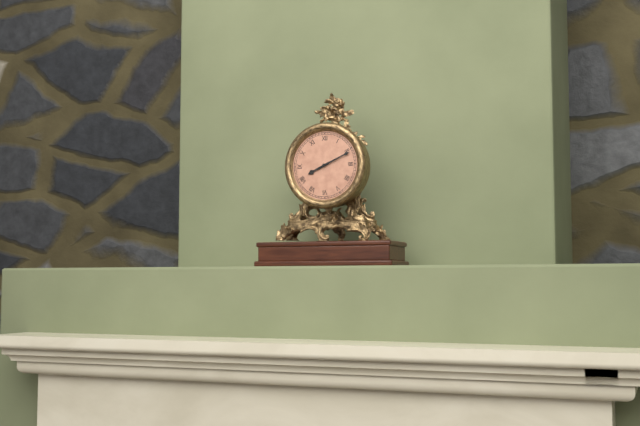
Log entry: 8,11
